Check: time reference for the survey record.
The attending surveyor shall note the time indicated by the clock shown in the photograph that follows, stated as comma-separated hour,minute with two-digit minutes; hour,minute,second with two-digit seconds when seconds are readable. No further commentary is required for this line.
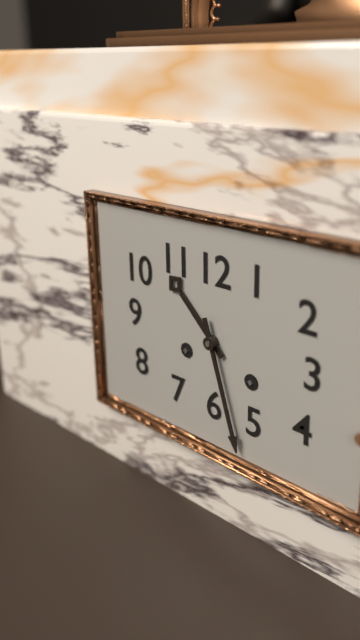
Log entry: 10,27
